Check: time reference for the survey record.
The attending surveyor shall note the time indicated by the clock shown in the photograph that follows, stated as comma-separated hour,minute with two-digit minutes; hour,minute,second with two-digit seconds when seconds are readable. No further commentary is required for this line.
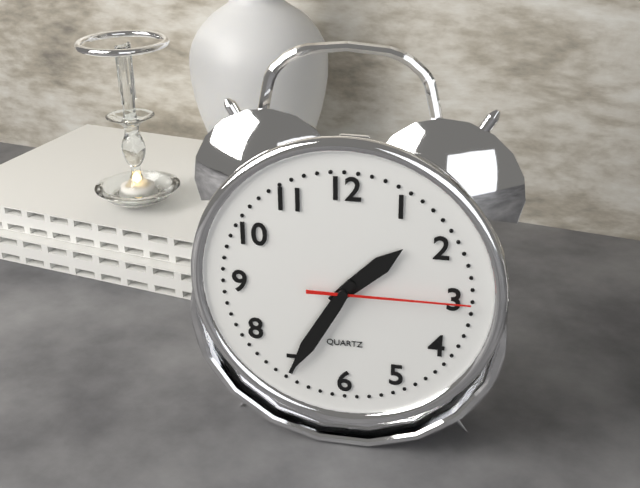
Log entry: 1,35,15
